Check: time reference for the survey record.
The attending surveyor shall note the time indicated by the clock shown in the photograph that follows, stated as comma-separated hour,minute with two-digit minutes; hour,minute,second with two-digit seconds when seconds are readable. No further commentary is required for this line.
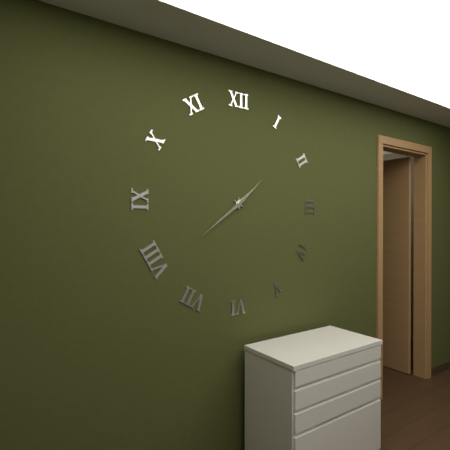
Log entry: 1,39
